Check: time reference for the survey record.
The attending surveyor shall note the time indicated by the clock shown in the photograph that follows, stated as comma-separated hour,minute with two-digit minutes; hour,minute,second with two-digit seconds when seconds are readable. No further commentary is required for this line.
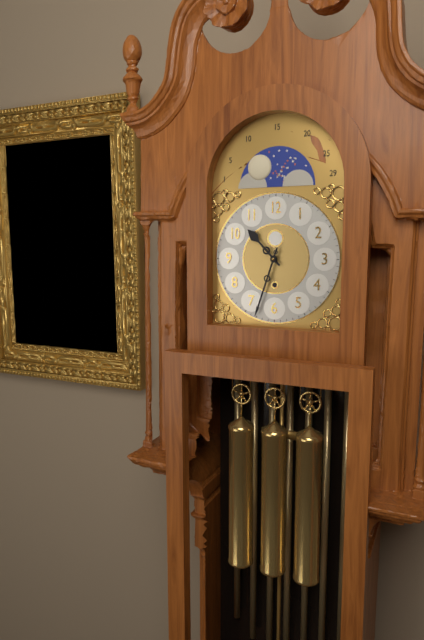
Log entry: 10,33
